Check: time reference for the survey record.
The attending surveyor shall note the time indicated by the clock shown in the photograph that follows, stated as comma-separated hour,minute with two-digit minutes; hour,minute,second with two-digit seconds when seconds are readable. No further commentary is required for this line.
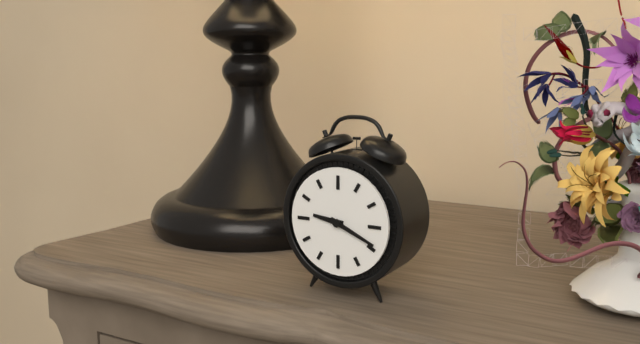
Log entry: 9,19
